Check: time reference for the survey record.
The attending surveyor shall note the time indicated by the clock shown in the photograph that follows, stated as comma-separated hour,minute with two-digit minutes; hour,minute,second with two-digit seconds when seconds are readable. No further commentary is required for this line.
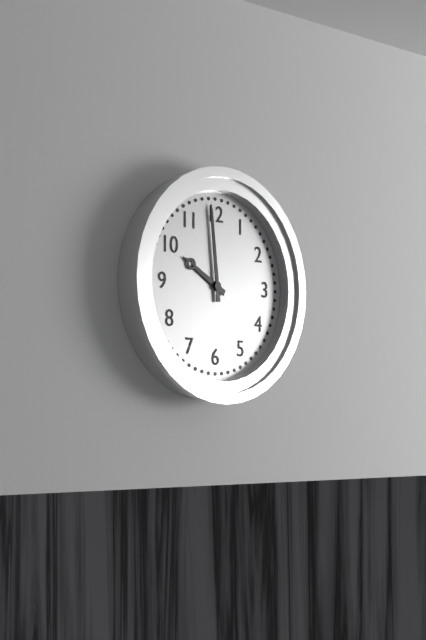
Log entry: 9,59
